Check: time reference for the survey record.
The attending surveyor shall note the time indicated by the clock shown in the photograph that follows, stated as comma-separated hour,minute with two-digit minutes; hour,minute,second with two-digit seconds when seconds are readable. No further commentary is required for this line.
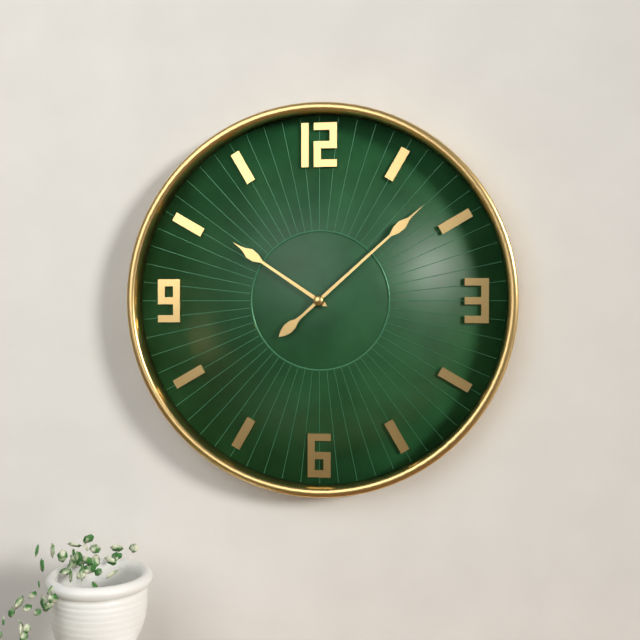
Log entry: 10,08
